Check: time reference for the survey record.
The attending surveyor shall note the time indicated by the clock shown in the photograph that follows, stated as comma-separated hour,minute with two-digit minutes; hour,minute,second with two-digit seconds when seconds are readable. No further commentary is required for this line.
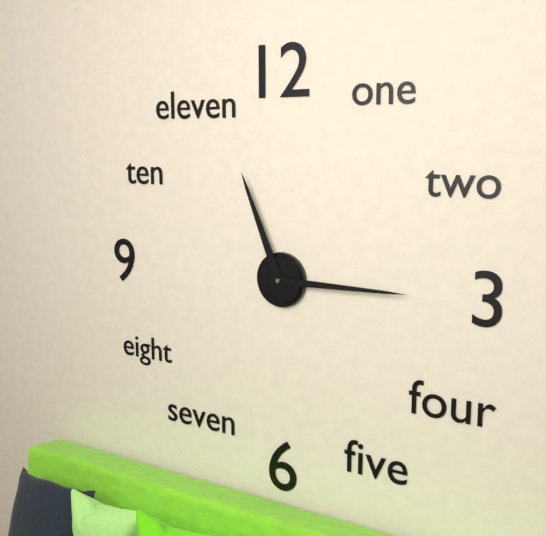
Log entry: 11,15
